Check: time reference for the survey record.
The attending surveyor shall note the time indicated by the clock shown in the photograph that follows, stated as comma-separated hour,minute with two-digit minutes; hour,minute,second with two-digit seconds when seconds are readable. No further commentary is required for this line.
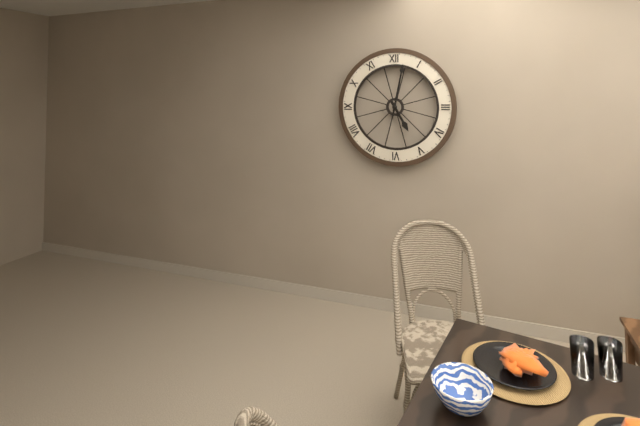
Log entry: 5,02
